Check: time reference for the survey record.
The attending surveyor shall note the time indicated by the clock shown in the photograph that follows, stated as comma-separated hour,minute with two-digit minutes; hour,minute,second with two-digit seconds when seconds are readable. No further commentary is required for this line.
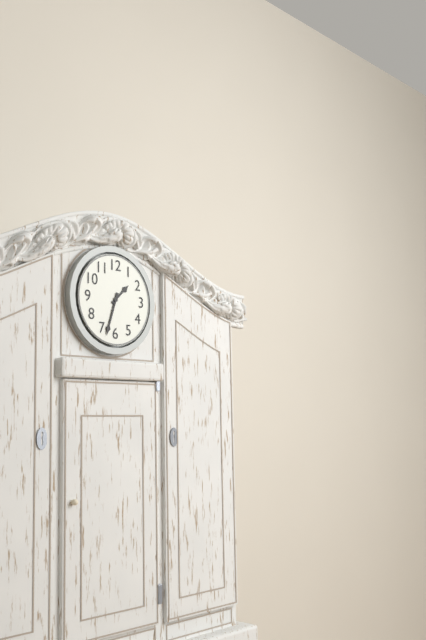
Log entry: 1,33
